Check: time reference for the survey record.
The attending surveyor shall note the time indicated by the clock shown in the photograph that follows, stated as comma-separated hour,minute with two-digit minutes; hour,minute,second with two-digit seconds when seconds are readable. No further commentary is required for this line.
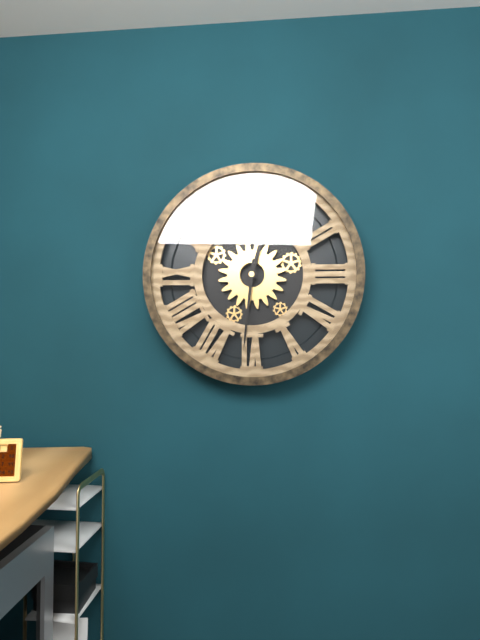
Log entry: 12,31
